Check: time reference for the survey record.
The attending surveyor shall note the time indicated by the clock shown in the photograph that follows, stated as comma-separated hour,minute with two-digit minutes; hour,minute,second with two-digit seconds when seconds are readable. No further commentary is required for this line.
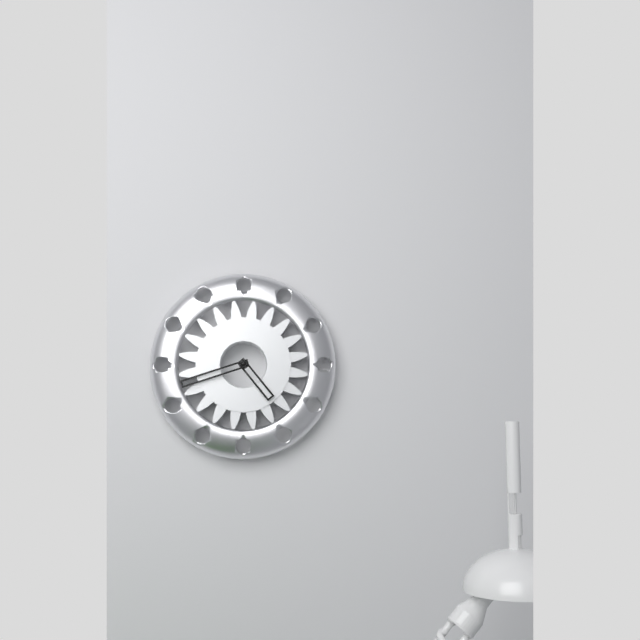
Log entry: 4,42
